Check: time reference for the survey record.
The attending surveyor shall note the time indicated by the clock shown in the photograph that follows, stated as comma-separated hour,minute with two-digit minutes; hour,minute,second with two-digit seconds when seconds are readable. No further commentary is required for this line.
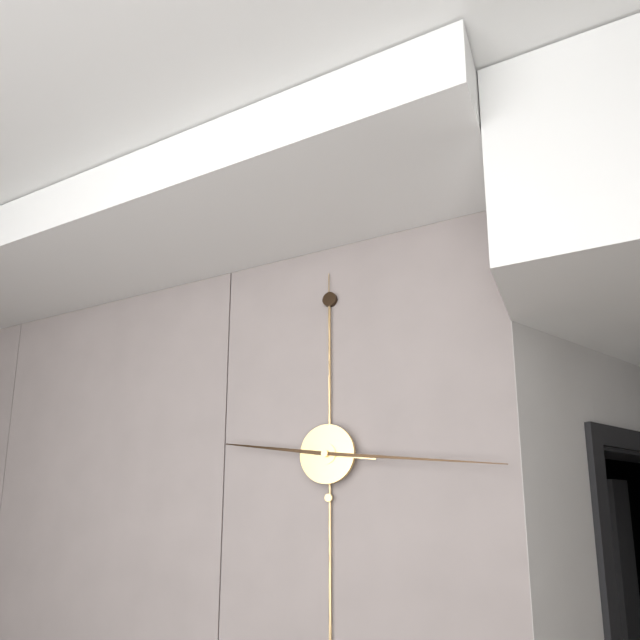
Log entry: 9,16
